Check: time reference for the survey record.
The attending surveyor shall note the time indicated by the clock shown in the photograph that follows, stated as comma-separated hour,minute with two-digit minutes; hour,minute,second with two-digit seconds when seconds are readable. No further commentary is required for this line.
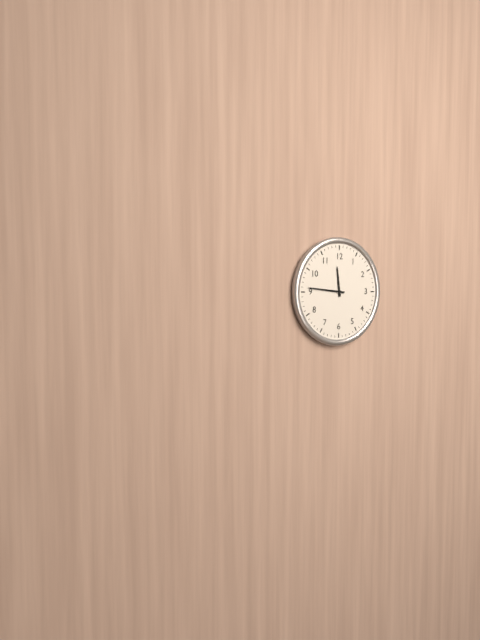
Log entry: 11,46
